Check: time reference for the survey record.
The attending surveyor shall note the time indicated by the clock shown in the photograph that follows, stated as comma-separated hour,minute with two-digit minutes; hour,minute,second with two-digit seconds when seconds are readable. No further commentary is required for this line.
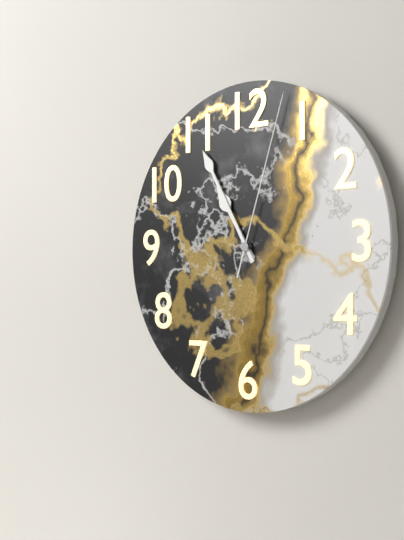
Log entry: 10,55,03
